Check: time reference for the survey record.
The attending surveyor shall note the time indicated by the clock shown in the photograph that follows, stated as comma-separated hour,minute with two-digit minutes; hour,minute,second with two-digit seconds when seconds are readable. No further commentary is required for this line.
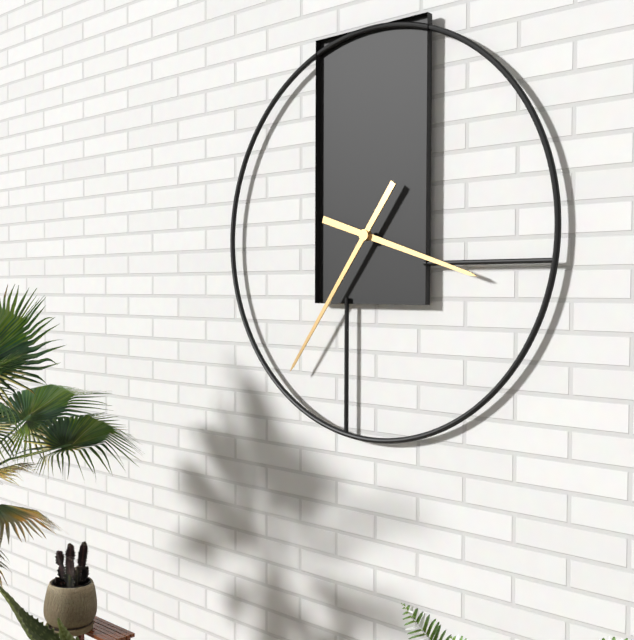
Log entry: 3,36
